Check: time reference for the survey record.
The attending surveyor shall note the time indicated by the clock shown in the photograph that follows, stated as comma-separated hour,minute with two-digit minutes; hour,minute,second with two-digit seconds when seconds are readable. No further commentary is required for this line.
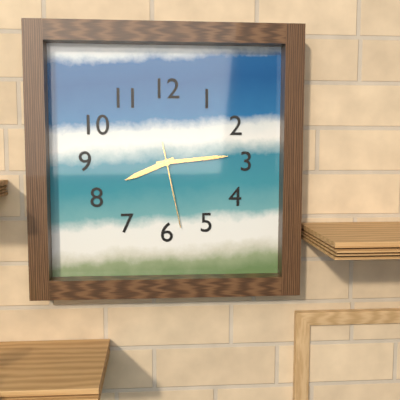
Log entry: 8,14,28
